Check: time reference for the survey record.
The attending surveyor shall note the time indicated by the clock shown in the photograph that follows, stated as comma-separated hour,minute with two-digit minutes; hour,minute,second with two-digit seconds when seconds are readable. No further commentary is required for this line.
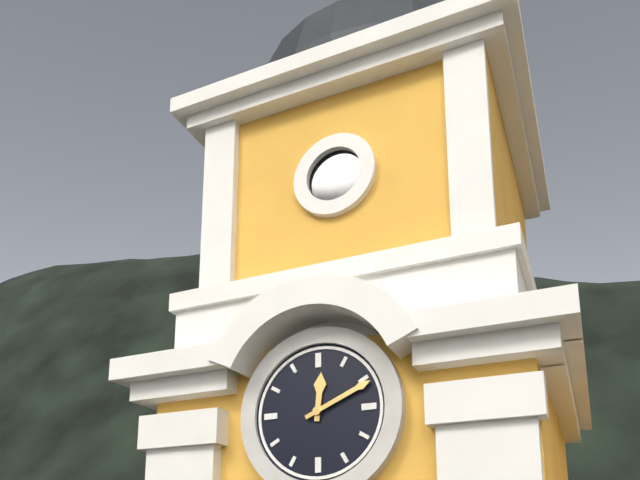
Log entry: 12,11
